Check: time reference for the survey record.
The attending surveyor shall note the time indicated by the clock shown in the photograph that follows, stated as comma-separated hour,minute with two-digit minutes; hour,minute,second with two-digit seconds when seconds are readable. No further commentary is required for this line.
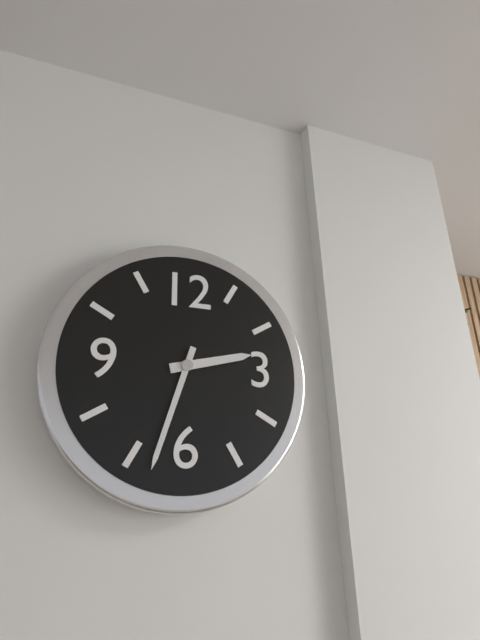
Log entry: 2,33
